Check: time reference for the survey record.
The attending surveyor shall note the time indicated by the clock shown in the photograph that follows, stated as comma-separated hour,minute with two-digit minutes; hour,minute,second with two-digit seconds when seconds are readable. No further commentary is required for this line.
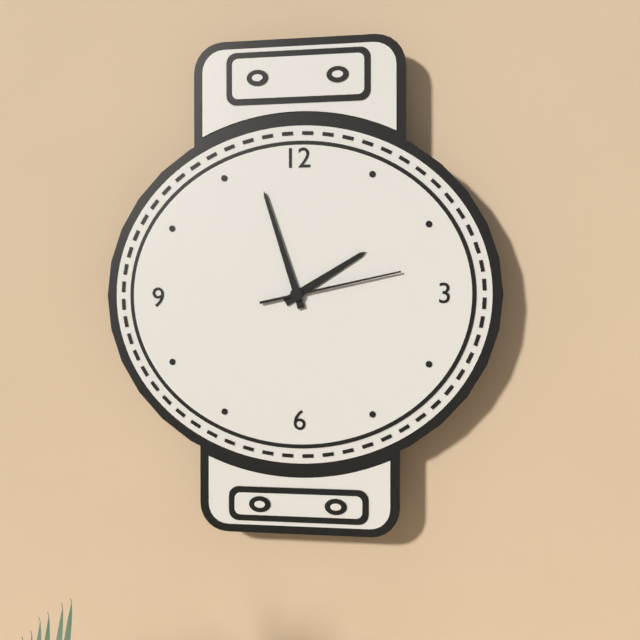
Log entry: 1,57,13
